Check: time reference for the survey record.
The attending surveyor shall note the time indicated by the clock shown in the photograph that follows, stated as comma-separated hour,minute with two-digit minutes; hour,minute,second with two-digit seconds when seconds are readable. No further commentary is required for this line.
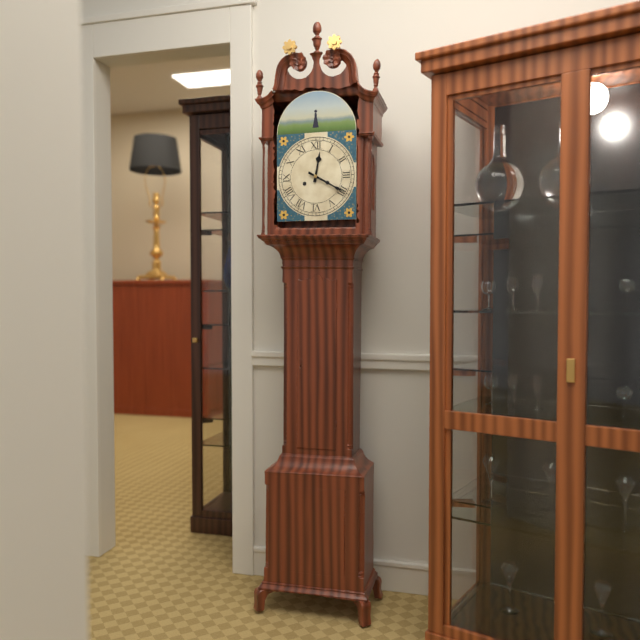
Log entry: 12,20
